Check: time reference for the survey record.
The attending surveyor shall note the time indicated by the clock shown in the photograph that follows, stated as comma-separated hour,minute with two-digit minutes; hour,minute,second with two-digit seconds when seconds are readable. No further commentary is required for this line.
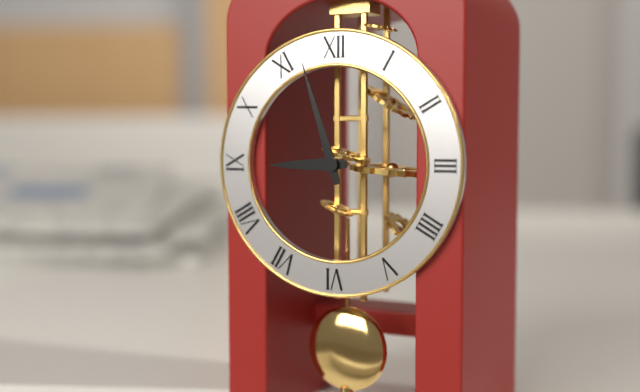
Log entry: 8,57
